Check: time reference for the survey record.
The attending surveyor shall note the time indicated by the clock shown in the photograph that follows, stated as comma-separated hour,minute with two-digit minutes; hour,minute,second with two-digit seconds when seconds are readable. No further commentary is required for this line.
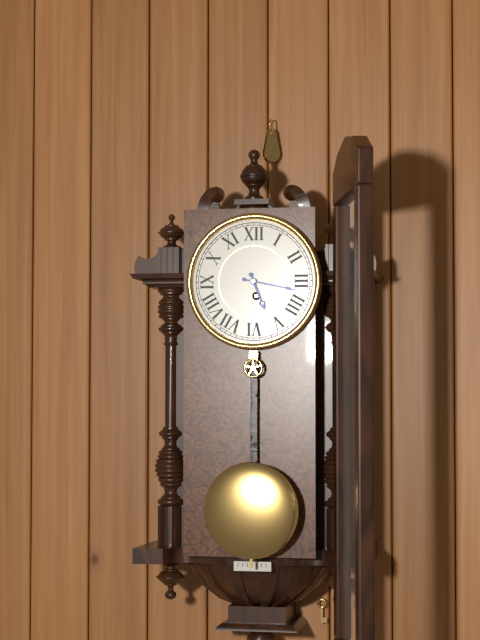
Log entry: 5,17
